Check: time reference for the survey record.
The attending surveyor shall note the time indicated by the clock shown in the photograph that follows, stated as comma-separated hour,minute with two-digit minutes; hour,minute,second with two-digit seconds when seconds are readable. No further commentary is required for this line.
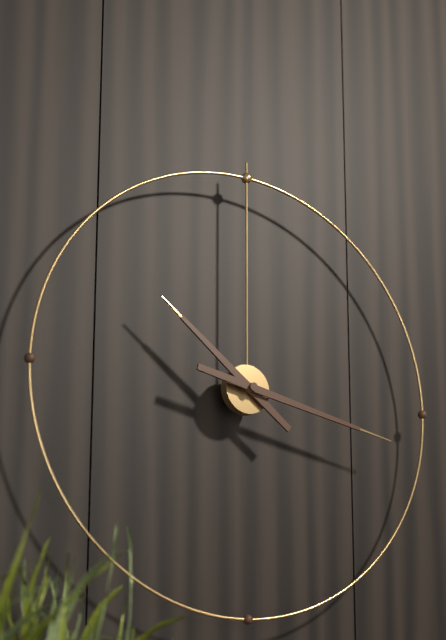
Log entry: 10,17
